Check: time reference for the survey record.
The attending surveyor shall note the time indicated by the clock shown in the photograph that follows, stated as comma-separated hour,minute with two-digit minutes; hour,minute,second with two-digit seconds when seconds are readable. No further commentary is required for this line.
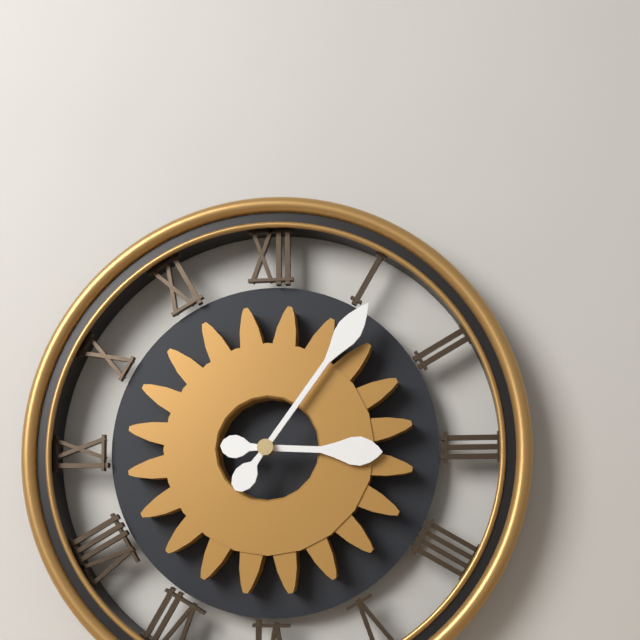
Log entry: 3,06
